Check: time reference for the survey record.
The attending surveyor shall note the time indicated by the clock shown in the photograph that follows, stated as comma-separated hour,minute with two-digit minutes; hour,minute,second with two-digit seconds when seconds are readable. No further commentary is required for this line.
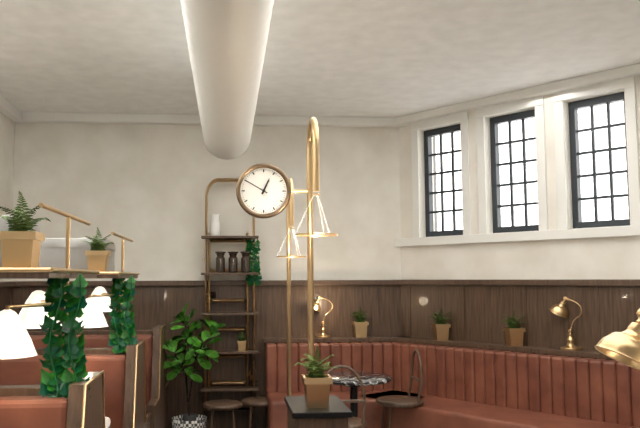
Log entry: 12,50
